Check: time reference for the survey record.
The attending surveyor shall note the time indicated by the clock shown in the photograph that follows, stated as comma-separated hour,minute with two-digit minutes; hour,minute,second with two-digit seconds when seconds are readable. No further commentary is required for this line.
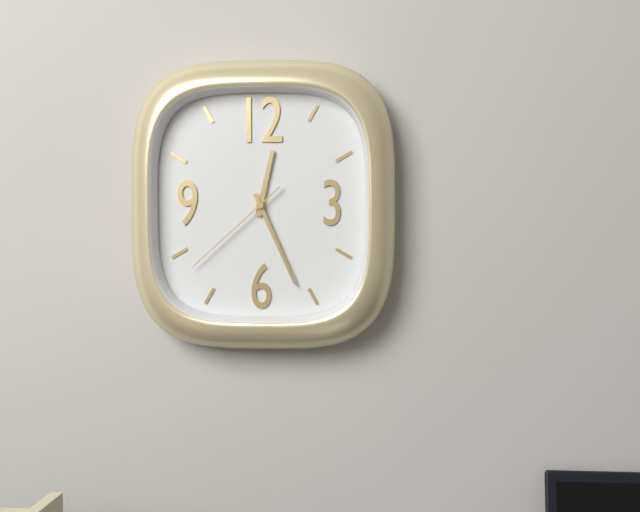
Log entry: 12,26,38
